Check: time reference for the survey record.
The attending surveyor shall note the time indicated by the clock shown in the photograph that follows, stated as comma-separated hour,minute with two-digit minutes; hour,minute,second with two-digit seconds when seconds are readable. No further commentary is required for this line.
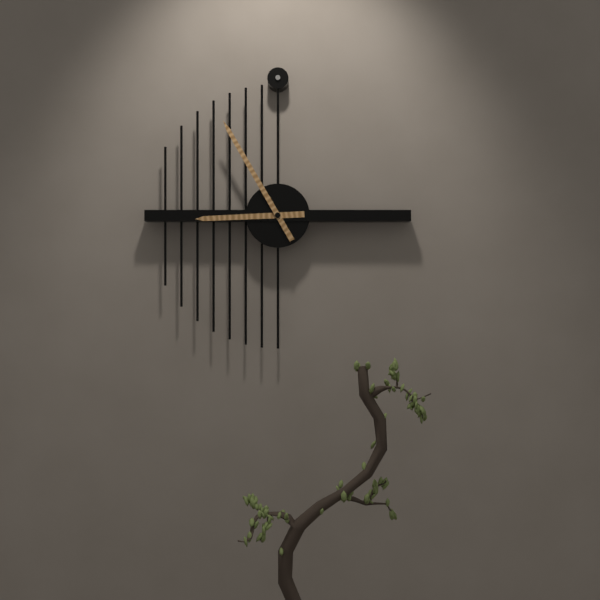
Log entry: 8,55
